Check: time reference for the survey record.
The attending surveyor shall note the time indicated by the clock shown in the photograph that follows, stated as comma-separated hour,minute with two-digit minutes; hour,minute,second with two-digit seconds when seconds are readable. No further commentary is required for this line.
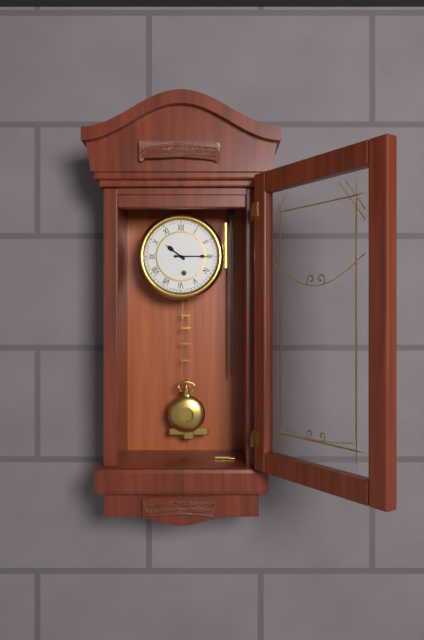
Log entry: 10,15
